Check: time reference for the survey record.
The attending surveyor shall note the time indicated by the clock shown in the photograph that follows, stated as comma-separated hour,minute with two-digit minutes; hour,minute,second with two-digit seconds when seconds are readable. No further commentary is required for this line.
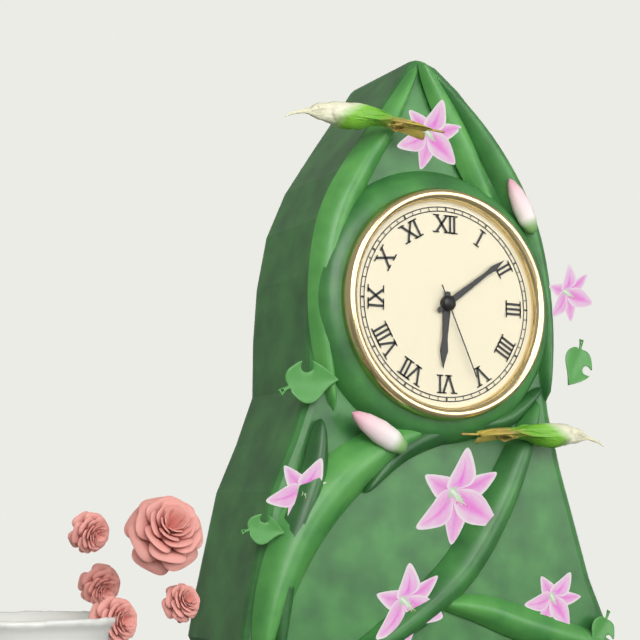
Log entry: 6,09,26
